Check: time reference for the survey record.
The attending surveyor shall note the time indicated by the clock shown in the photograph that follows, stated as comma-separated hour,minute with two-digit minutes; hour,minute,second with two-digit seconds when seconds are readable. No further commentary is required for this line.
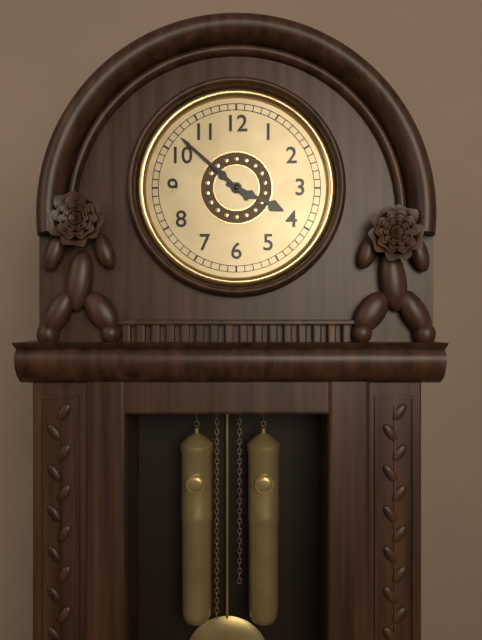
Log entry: 3,52
